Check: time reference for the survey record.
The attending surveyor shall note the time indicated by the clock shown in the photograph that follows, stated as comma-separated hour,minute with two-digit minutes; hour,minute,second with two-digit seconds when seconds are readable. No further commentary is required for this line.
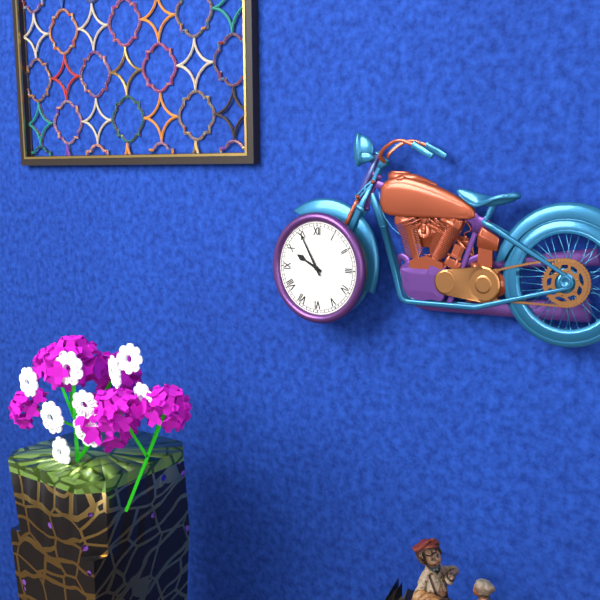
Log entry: 9,55
